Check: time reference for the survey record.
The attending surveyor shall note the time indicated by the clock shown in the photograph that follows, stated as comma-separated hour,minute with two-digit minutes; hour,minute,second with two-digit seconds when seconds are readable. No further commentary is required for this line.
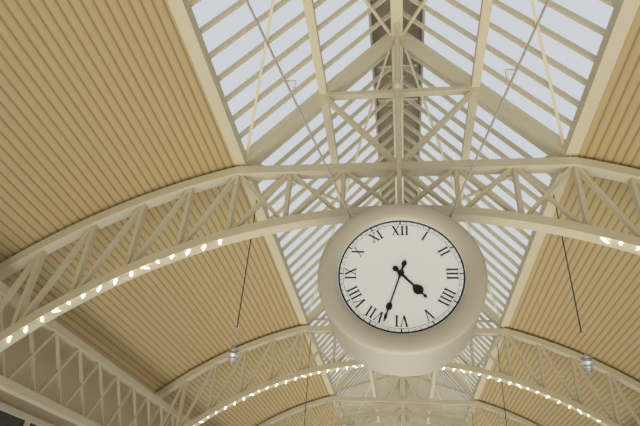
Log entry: 4,33
